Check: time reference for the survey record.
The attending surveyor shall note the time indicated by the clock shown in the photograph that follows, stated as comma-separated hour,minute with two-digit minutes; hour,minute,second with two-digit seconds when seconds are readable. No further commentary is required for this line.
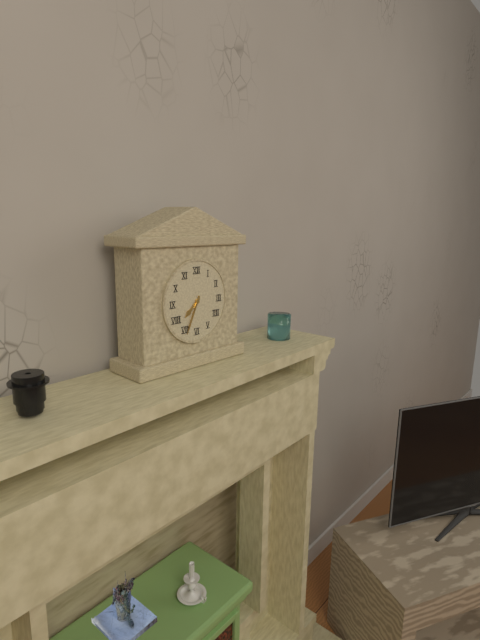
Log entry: 7,34
